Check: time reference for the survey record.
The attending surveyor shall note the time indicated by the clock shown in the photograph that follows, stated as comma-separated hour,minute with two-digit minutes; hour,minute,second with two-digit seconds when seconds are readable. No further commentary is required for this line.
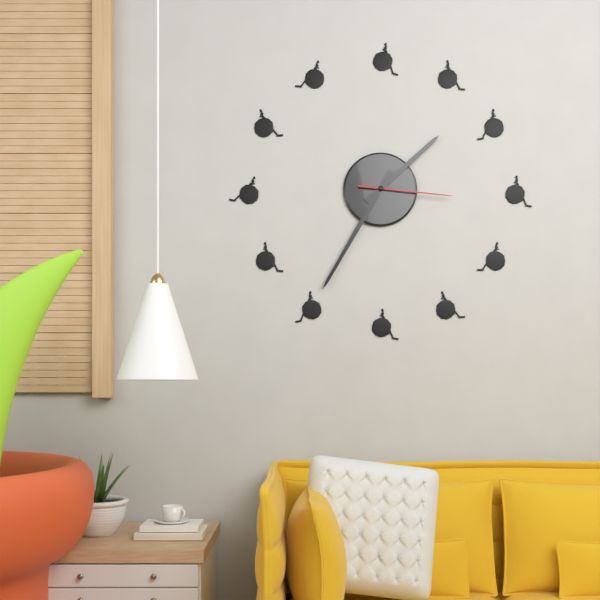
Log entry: 1,35,16
